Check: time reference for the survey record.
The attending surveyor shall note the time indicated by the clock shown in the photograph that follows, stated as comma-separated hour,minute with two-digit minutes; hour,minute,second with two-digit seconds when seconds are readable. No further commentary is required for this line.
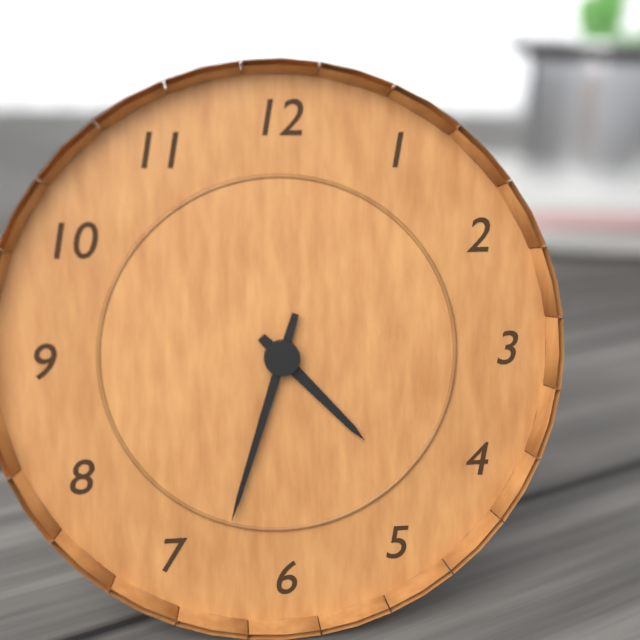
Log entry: 4,33
